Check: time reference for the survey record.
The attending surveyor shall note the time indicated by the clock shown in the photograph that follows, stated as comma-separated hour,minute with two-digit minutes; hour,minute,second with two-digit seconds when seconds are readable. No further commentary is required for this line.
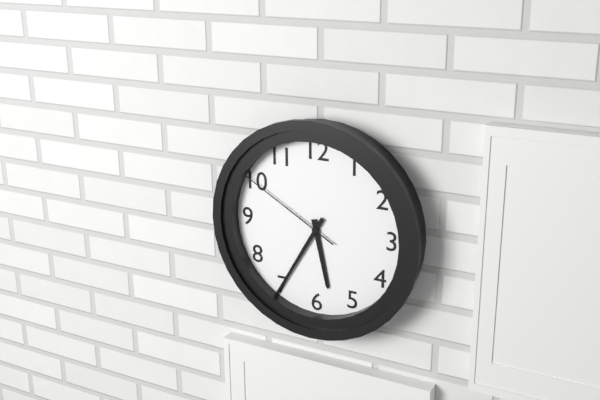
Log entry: 5,35,50
